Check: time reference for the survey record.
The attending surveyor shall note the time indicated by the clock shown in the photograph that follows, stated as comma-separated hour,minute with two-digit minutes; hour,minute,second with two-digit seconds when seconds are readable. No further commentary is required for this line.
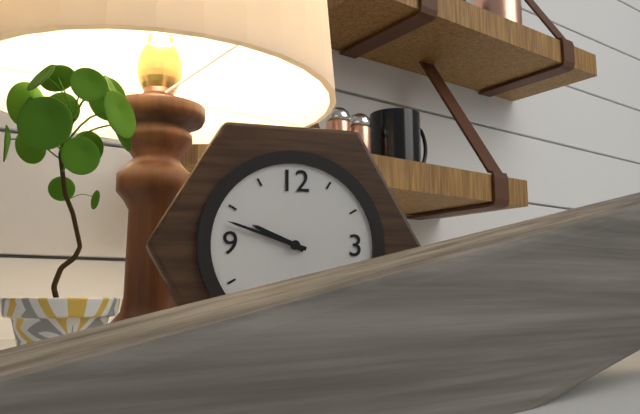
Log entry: 9,48
